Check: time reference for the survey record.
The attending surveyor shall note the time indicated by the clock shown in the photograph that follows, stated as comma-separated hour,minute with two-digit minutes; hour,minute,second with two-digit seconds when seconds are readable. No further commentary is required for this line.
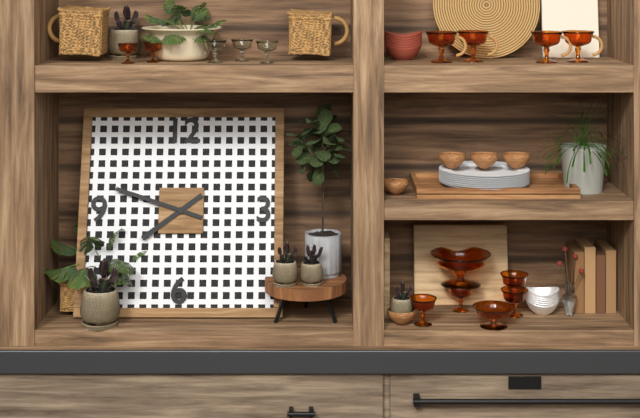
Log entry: 7,48
